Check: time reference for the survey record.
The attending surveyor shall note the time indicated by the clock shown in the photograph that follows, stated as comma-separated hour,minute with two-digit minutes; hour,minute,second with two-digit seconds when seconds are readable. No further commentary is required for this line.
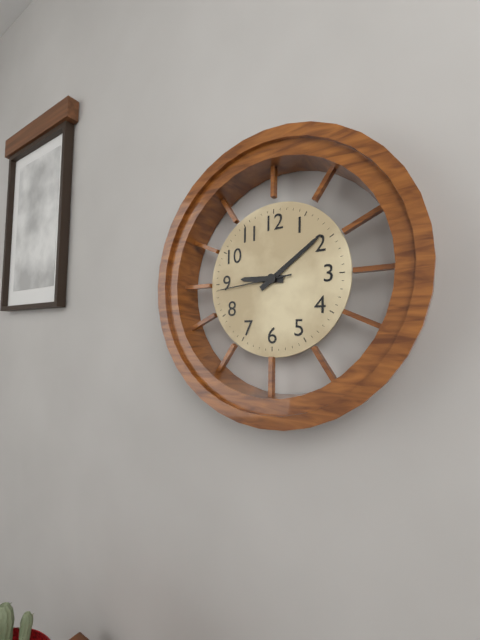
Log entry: 9,09,44
